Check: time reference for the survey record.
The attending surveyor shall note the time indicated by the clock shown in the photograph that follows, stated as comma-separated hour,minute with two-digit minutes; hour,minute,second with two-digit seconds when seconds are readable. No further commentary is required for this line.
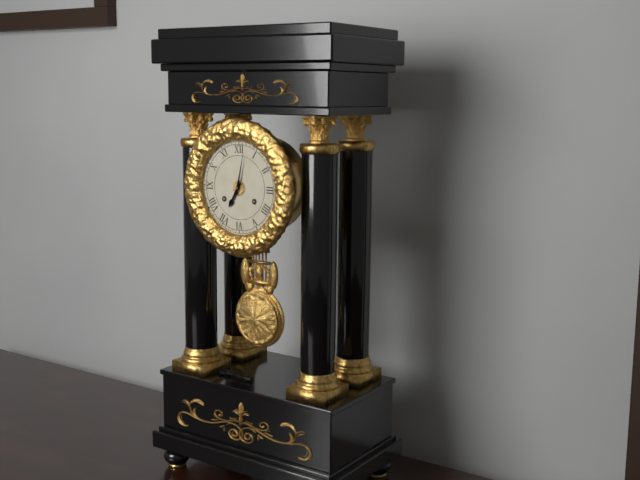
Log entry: 7,02
